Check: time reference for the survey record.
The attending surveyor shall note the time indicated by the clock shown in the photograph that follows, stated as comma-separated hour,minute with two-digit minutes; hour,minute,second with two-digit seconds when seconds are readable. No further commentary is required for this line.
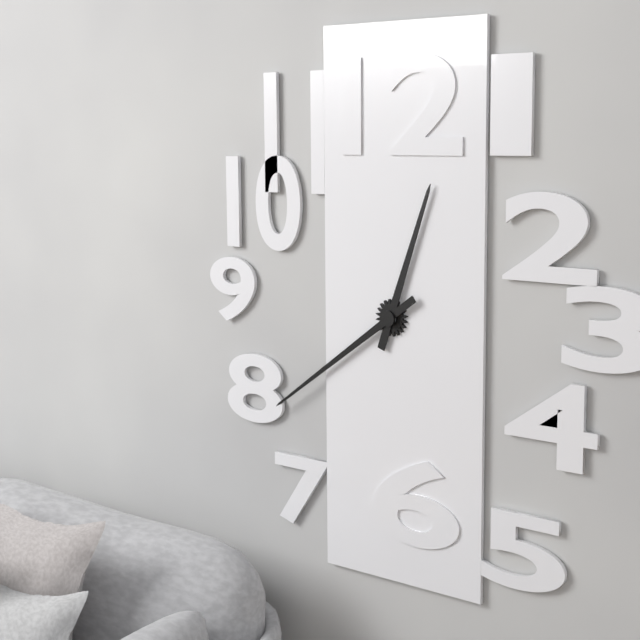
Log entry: 12,39
